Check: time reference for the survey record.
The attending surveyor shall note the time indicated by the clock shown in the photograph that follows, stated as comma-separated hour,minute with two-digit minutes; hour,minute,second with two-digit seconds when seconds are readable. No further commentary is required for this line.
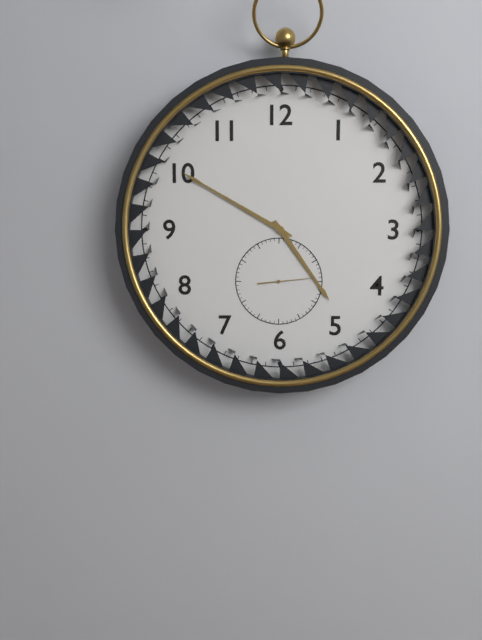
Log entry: 4,50
